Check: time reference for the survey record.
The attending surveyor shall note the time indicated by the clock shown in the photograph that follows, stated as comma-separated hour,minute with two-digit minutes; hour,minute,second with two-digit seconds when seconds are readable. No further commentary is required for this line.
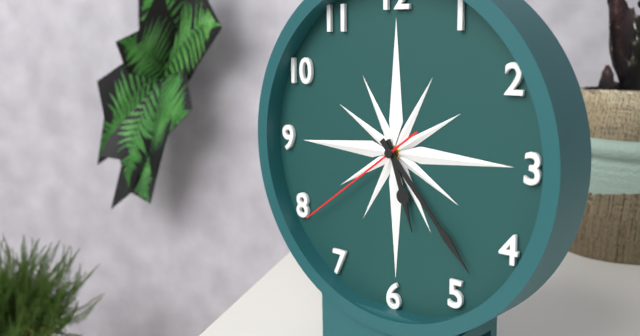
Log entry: 5,23,39
